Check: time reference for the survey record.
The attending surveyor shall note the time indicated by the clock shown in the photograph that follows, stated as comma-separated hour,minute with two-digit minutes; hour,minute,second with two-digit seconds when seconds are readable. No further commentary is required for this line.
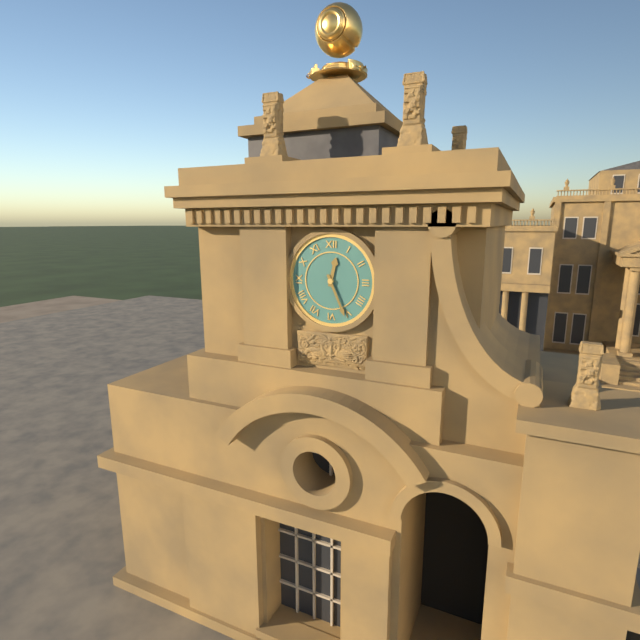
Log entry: 12,26
